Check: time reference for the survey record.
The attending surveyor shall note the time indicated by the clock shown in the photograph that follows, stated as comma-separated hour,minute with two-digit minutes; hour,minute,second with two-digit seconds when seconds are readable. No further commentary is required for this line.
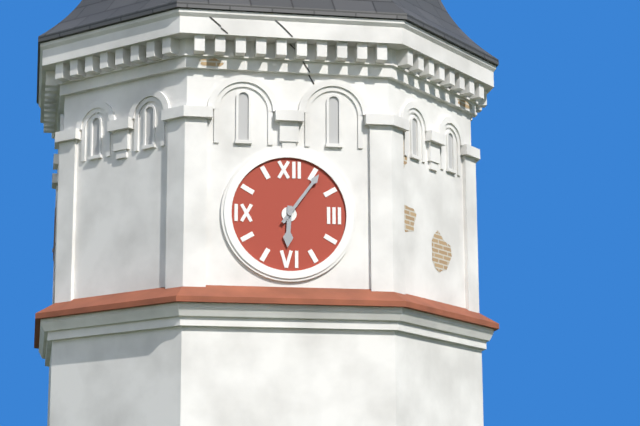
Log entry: 6,06
